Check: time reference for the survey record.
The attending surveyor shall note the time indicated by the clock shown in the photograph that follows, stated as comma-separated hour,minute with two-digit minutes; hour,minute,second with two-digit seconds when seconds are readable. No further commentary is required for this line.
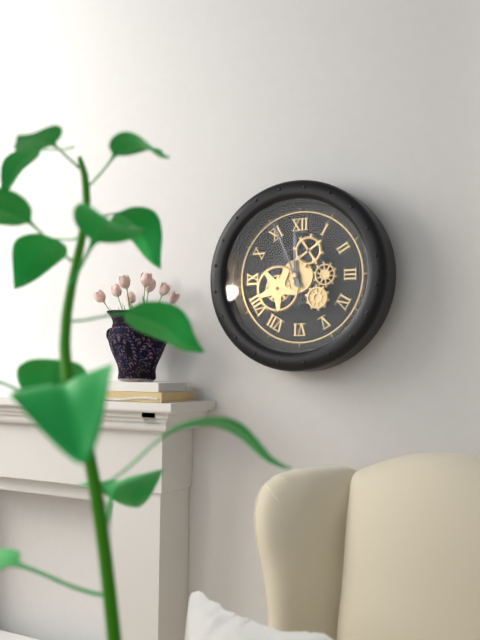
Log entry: 11,56
